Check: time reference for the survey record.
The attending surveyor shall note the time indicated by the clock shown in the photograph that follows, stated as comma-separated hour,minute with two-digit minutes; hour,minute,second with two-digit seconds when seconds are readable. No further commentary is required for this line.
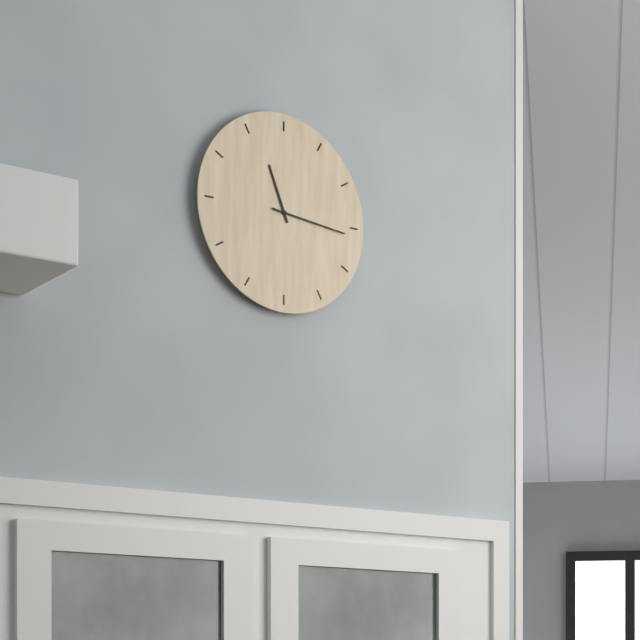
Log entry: 11,16
